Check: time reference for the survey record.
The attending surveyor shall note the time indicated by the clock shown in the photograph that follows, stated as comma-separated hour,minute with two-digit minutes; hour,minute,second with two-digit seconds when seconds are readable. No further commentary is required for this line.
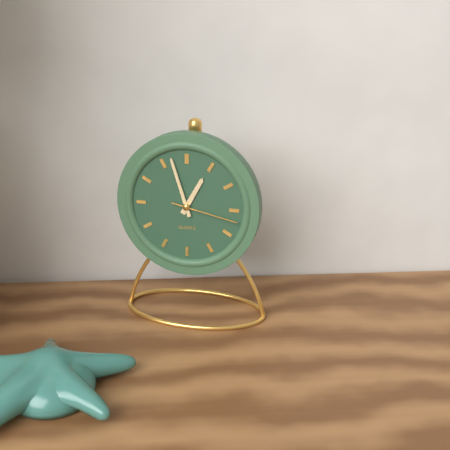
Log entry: 12,57,17
